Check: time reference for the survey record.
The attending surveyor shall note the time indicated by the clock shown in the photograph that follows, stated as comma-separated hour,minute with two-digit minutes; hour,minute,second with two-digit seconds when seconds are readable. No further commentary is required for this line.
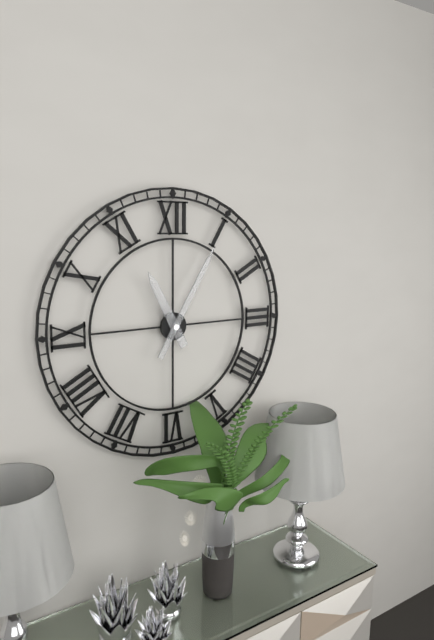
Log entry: 11,05
